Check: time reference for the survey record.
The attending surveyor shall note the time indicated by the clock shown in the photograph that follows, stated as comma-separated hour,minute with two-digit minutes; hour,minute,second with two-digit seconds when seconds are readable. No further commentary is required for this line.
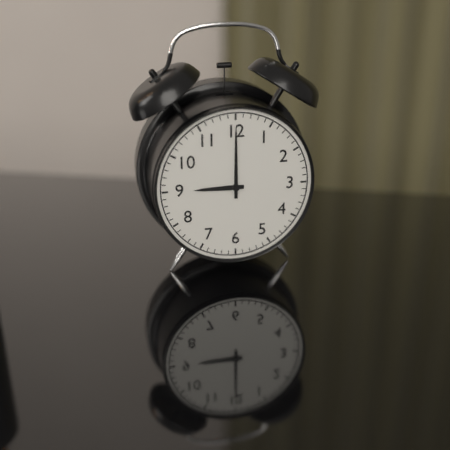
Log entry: 9,00
